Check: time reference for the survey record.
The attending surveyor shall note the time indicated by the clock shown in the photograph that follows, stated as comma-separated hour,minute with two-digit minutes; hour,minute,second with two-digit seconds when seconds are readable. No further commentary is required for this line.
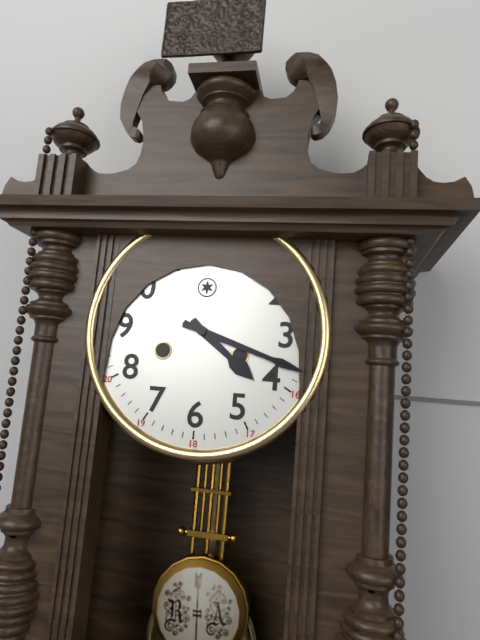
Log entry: 4,18
